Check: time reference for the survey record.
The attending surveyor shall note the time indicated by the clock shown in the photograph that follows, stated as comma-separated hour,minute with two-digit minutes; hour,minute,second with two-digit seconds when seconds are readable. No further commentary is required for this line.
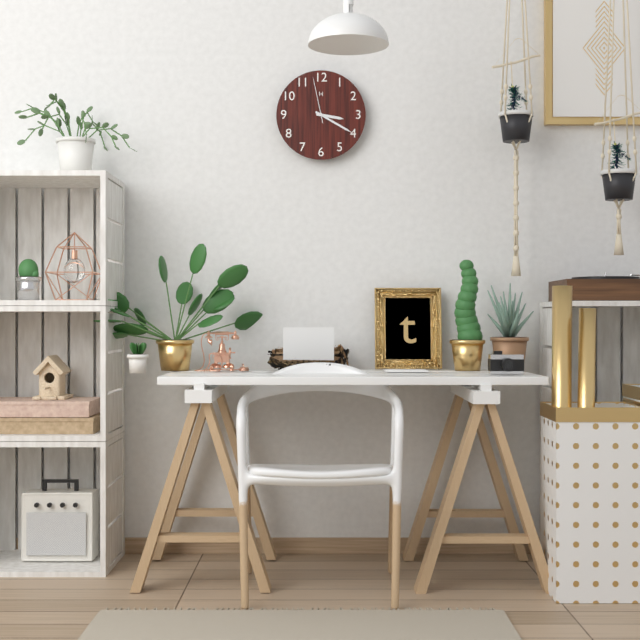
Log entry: 3,20
